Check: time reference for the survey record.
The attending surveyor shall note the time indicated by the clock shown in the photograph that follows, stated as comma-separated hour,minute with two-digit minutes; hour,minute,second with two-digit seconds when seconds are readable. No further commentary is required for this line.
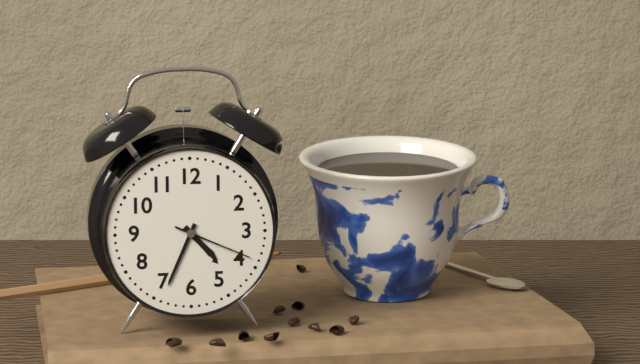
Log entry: 4,34,19
